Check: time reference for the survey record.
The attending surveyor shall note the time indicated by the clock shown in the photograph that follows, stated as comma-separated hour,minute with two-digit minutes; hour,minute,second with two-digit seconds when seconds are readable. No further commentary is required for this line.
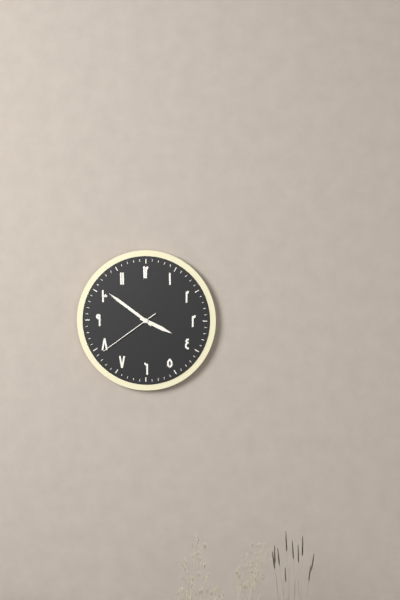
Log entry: 3,51,39
